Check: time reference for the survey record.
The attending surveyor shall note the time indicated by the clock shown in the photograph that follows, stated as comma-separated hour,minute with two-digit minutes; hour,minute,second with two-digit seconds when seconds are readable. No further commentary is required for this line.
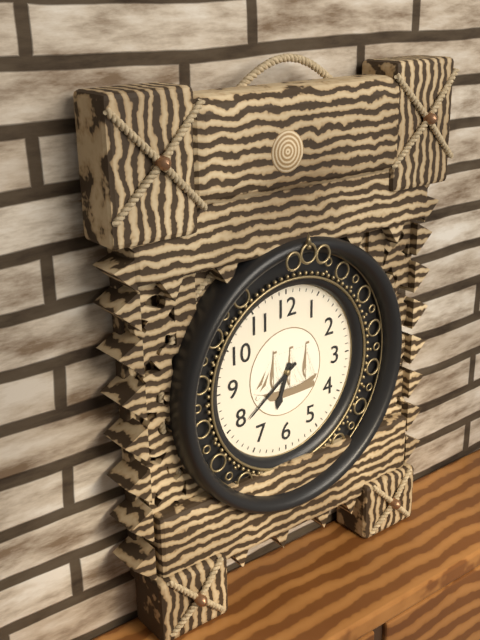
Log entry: 6,39
